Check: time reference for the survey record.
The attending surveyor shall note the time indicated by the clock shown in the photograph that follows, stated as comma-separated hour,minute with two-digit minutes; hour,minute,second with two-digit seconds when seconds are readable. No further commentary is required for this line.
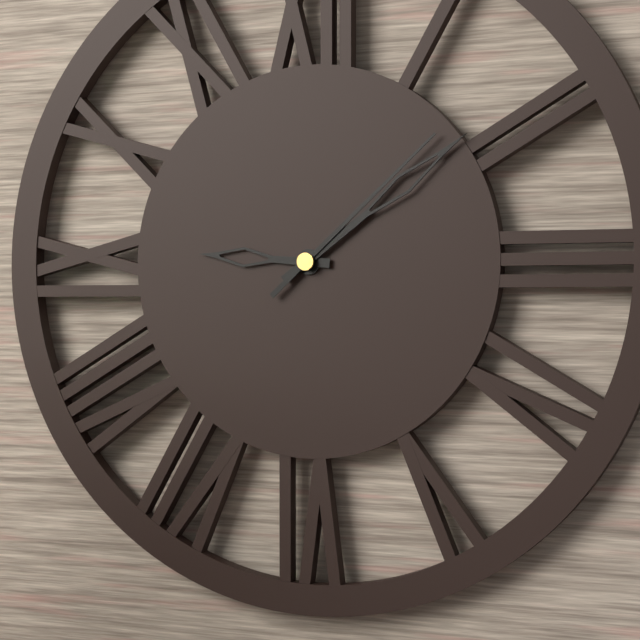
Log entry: 9,09,08
